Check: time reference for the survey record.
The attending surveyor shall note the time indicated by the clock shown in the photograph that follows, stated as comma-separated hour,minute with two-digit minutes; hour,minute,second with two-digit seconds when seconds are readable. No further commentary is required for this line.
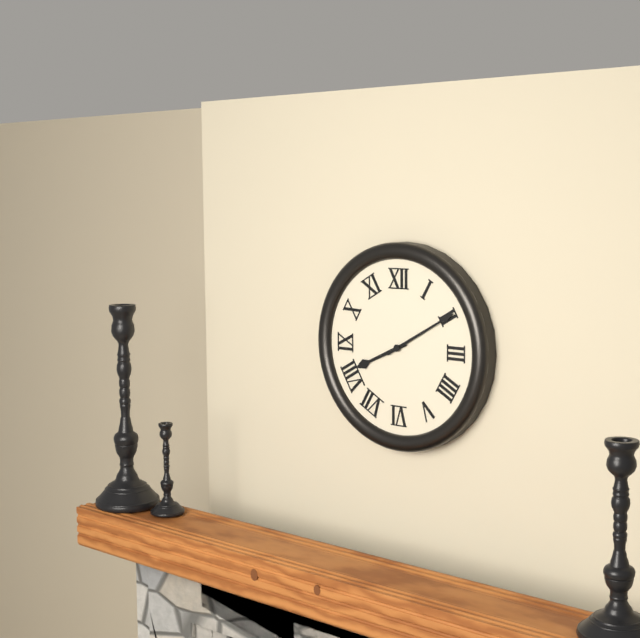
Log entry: 8,10
